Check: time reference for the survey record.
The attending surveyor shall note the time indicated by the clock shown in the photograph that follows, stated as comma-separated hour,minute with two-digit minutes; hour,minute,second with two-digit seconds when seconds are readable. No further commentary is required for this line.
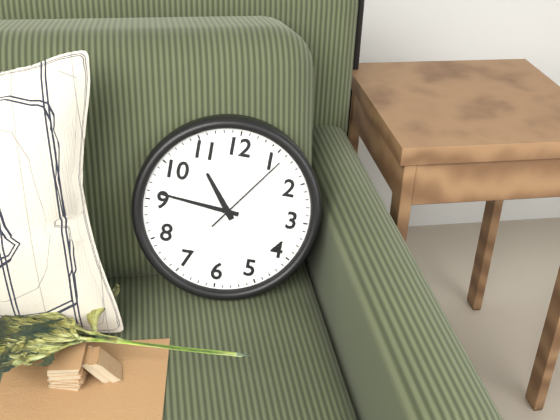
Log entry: 10,46,06
